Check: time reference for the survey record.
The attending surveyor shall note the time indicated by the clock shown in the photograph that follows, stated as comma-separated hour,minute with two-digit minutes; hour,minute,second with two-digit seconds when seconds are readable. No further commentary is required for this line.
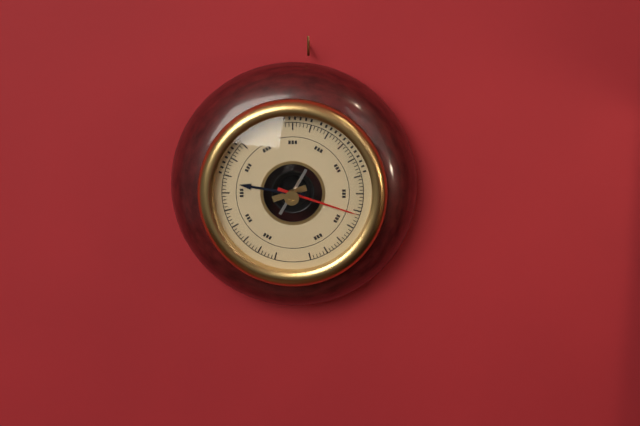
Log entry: 9,18
